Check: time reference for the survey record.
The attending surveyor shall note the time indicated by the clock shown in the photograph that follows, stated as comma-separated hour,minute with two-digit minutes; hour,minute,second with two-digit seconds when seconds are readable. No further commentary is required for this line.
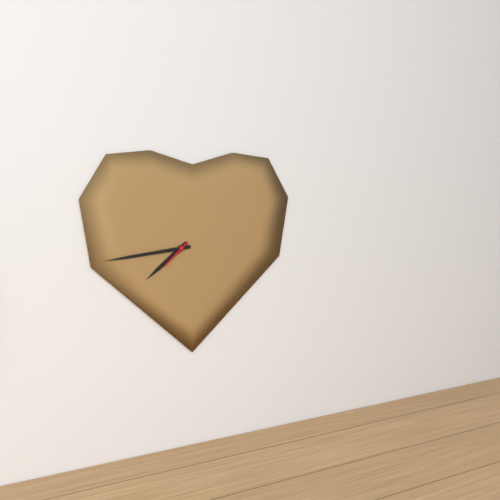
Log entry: 7,44
